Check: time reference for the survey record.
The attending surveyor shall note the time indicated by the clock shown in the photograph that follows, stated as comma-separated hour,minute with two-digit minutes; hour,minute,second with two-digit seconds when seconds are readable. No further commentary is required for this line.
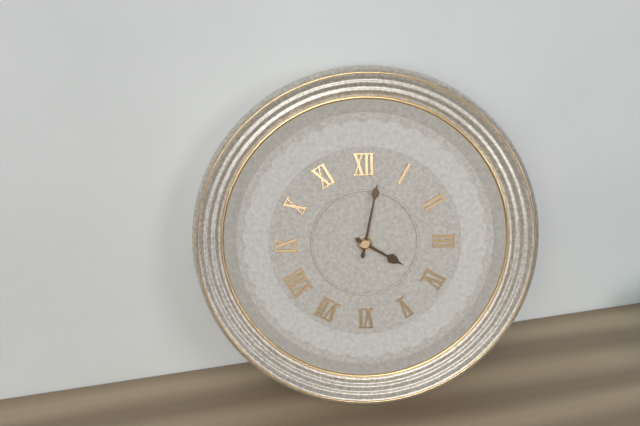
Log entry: 4,02
